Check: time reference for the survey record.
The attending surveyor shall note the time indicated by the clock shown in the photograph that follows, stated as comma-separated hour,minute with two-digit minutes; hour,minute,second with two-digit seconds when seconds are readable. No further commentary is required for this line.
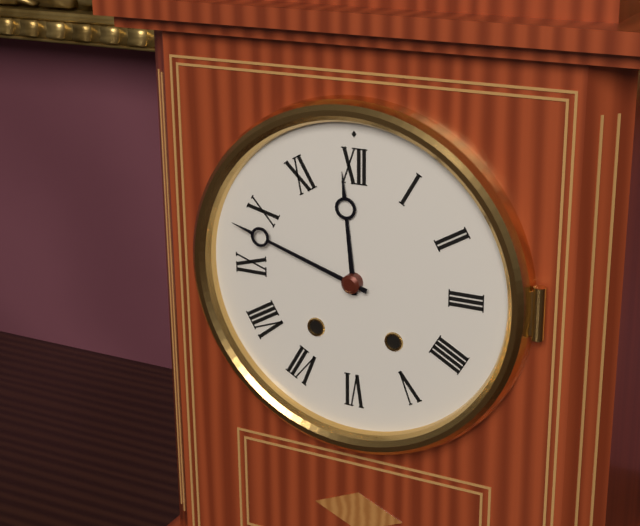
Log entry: 11,48
